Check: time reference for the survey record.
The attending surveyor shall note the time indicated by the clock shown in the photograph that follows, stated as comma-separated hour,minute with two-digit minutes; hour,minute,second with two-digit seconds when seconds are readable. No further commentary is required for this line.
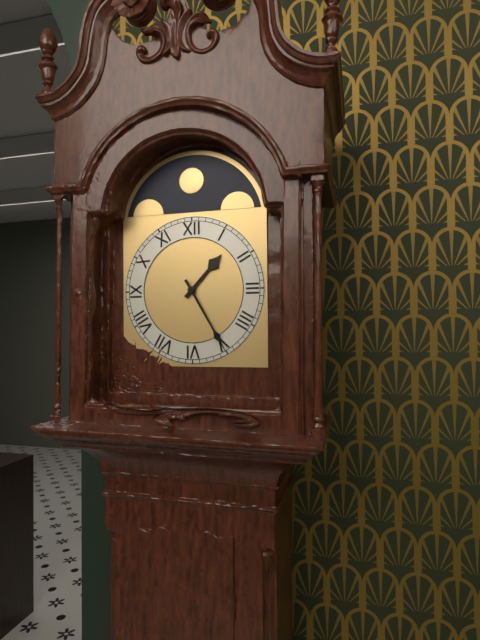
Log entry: 1,25
